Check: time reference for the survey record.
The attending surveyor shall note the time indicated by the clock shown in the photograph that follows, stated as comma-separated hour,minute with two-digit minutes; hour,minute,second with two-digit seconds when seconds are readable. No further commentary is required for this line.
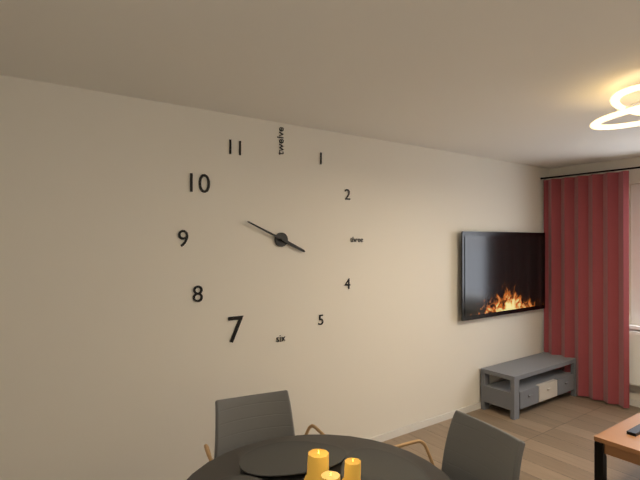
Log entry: 3,49
